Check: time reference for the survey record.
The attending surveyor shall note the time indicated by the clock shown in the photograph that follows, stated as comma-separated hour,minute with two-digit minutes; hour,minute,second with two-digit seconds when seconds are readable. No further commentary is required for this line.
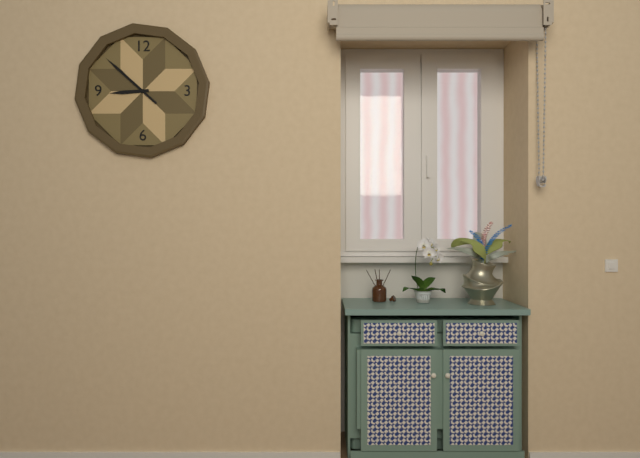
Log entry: 8,52
